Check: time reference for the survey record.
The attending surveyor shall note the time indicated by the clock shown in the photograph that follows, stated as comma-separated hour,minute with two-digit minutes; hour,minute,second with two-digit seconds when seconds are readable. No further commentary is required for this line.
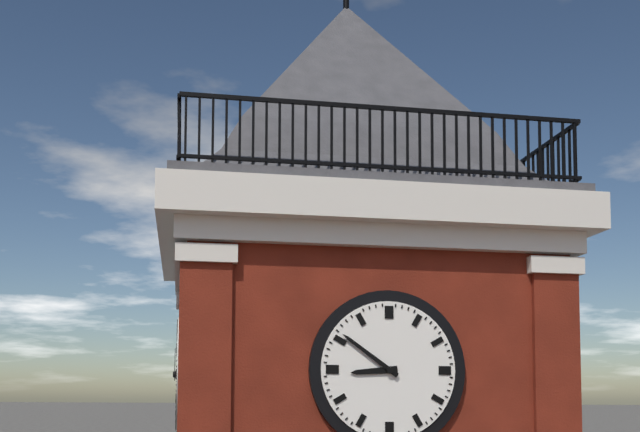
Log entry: 8,51
